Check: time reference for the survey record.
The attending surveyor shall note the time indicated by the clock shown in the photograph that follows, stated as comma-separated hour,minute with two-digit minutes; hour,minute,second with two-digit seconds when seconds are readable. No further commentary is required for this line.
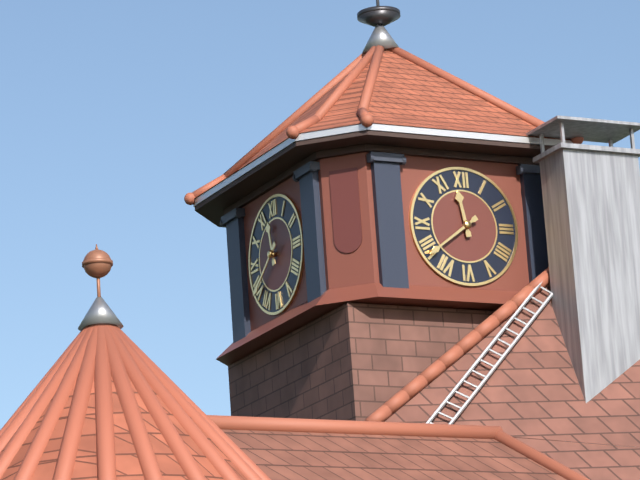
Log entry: 11,39
